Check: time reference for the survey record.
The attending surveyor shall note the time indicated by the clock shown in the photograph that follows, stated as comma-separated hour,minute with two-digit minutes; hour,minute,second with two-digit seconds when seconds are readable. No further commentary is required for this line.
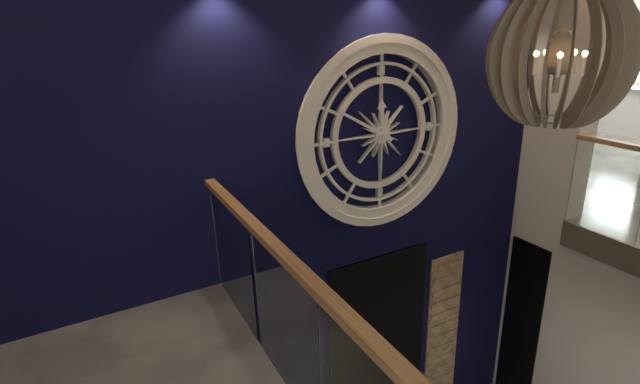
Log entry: 11,50
